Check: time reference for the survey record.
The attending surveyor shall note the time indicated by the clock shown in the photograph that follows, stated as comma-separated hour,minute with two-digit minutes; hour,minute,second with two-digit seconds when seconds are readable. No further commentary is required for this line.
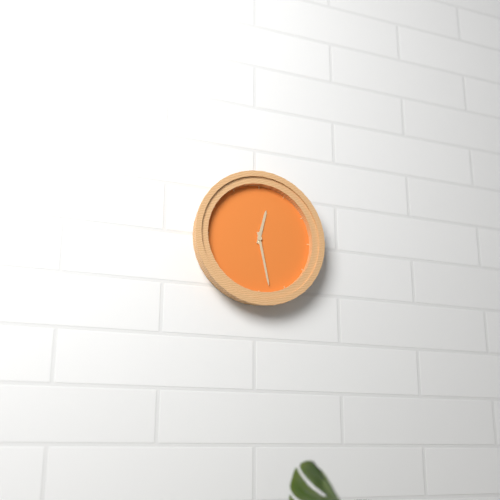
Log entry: 12,28
